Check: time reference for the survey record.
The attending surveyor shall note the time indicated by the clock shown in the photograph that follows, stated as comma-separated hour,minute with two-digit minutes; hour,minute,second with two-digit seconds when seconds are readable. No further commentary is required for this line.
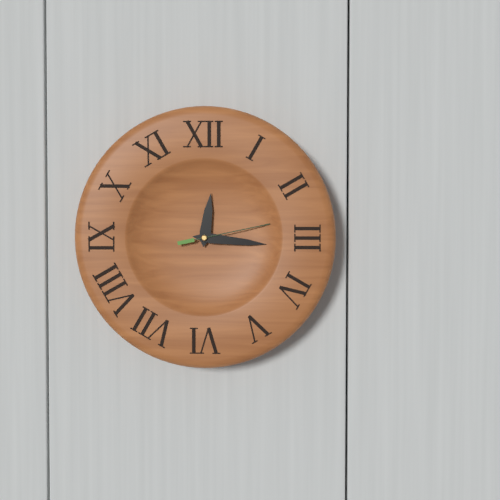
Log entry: 12,16,13
